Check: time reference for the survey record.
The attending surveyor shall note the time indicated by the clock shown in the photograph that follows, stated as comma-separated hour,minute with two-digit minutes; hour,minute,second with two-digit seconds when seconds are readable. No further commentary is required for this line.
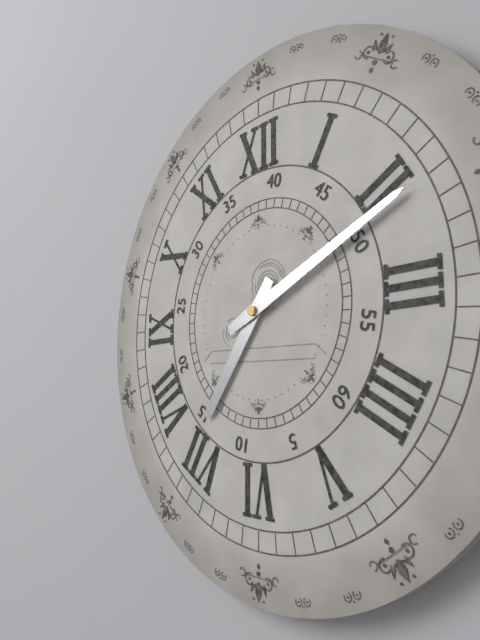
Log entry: 7,11
